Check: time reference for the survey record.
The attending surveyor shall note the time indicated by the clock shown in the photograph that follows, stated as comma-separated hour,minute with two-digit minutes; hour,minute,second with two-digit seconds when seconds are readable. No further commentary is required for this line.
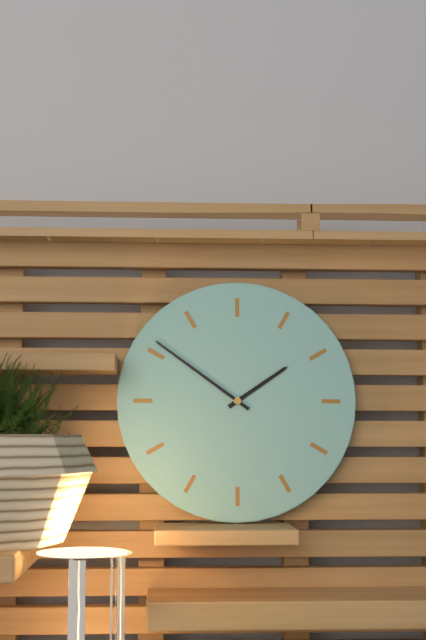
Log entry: 1,51
